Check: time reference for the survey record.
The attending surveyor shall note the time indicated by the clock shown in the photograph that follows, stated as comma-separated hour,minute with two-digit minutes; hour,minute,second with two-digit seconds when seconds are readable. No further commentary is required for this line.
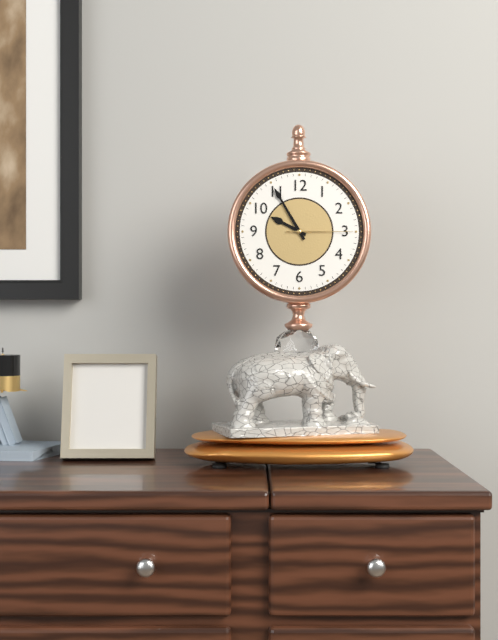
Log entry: 9,55,15
